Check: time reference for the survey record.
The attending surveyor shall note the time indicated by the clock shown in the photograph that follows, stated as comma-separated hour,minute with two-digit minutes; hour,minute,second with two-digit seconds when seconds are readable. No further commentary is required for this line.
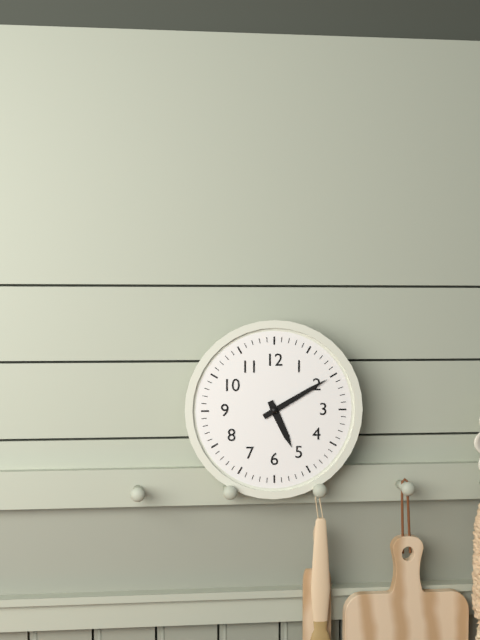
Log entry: 5,10
